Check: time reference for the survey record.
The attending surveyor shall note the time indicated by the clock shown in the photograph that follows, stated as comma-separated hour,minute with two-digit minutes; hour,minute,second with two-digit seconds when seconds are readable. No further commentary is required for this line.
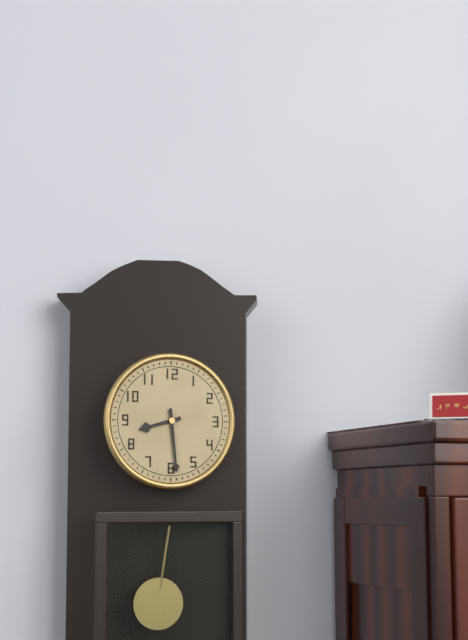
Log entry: 8,29
